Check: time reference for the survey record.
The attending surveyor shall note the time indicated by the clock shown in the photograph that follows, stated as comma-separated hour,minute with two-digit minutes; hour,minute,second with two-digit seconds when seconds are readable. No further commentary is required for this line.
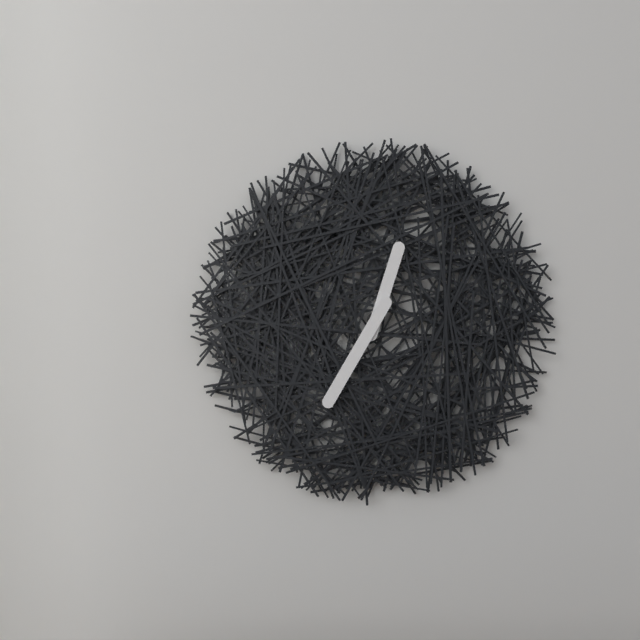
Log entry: 12,35
